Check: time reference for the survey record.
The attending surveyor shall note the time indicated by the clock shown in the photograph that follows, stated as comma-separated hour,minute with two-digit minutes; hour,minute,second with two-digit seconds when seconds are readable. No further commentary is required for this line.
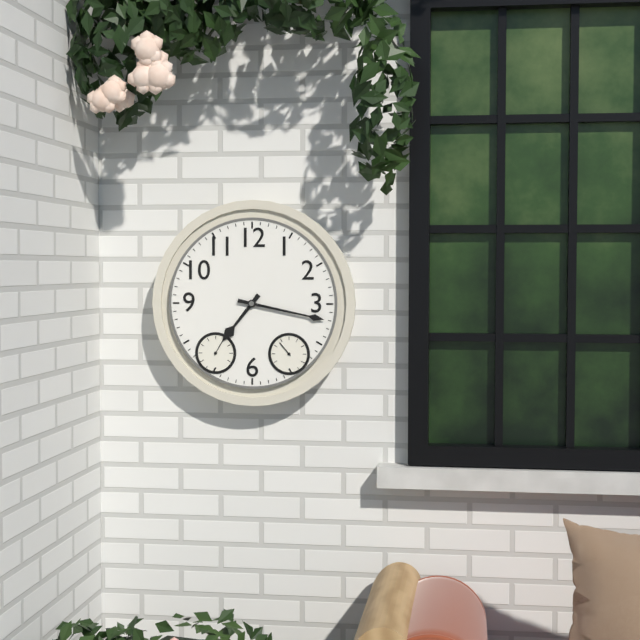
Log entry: 7,17
